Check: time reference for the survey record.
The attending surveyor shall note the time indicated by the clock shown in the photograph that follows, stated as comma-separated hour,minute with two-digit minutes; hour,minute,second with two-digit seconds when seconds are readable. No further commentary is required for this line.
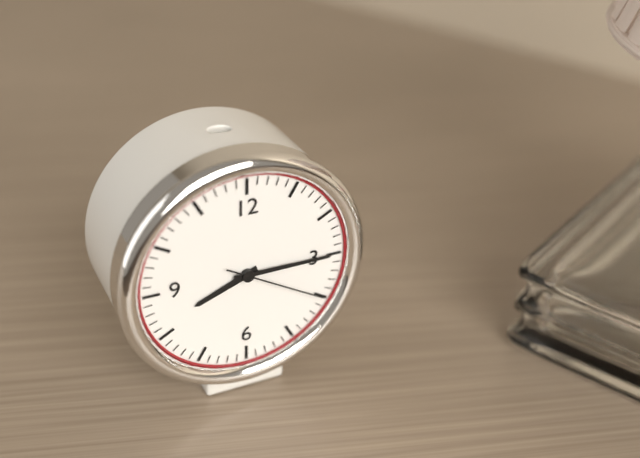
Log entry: 8,15,20
